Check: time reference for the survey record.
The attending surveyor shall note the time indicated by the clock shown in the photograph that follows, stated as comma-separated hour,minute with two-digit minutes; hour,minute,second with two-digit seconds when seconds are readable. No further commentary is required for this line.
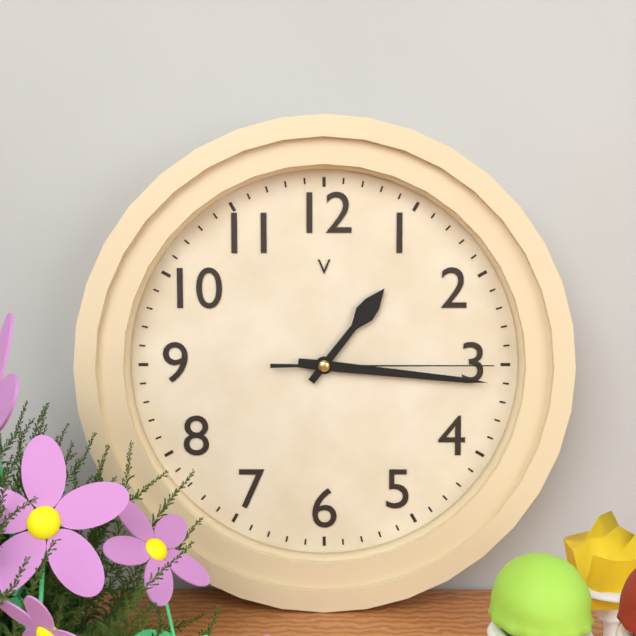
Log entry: 1,16,15
